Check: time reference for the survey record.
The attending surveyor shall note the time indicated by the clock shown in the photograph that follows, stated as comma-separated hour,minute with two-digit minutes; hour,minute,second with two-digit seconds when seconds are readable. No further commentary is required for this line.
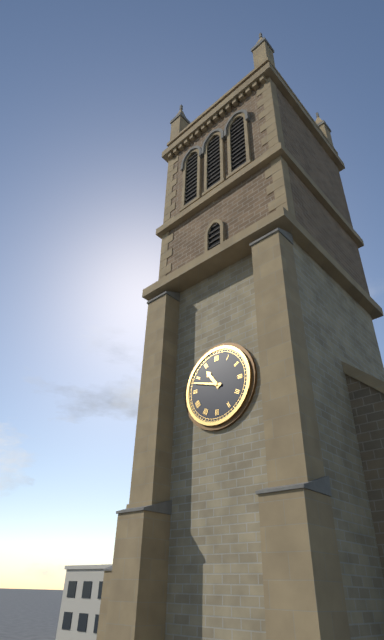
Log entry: 10,48
